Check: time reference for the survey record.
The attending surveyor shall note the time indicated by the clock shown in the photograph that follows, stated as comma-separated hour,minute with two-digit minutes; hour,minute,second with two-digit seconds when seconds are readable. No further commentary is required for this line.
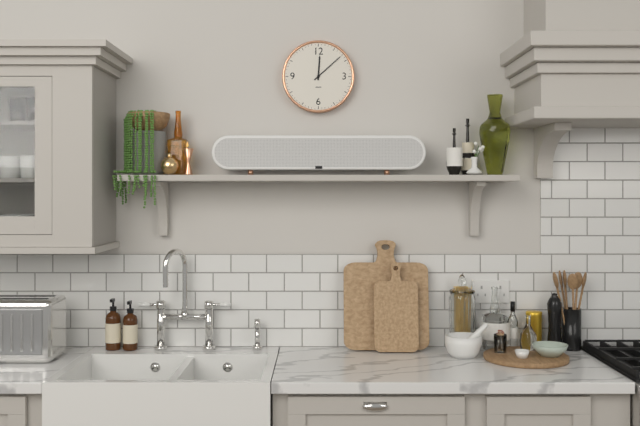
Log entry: 12,08
